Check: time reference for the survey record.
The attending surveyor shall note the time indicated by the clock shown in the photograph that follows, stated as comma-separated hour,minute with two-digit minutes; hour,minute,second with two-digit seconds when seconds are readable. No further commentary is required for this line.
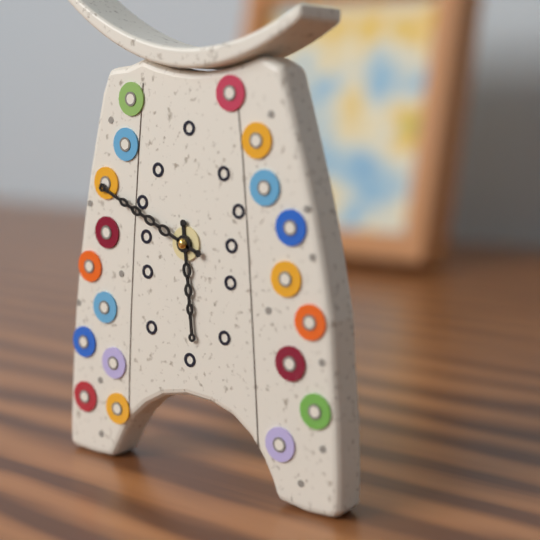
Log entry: 5,49
